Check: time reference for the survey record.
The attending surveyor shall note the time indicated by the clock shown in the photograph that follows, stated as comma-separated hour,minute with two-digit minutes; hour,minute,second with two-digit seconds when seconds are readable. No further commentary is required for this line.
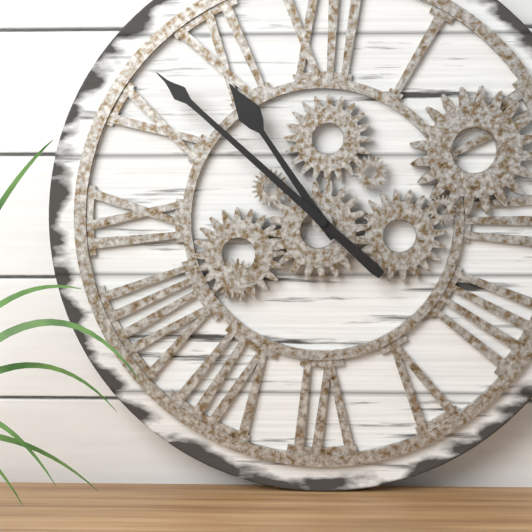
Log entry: 10,52
